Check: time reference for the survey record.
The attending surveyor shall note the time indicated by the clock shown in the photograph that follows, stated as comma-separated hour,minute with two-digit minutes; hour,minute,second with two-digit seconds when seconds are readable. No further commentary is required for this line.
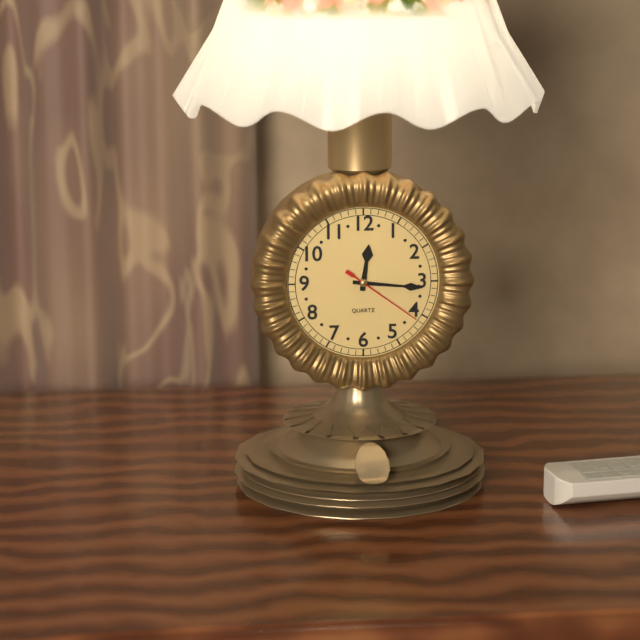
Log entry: 12,16,21
